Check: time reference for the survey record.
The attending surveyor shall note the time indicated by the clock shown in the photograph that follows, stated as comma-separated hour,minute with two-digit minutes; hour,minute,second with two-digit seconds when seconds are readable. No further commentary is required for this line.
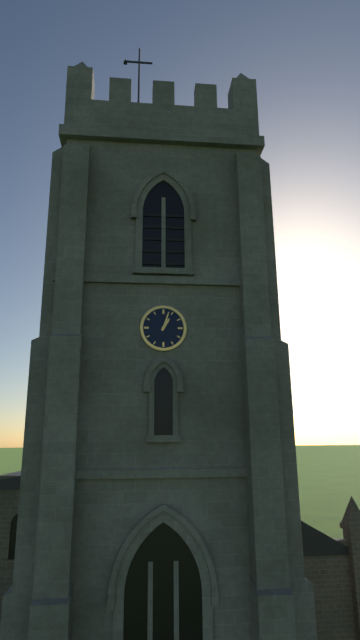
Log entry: 1,03
